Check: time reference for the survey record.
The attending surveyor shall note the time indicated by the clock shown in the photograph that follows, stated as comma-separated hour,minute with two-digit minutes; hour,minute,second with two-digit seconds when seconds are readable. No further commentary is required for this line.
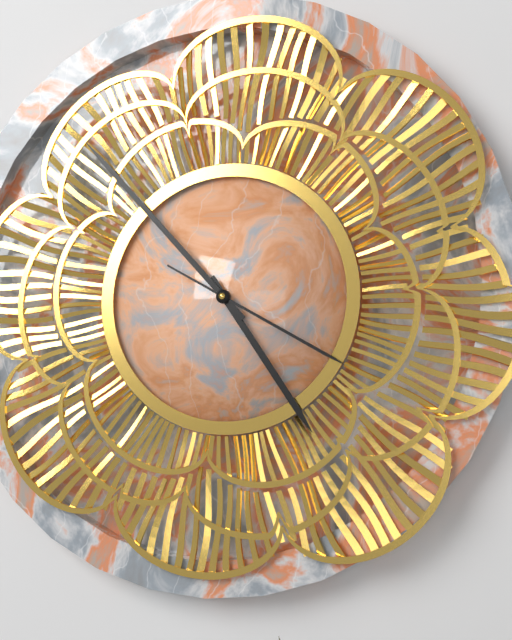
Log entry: 4,53,20
